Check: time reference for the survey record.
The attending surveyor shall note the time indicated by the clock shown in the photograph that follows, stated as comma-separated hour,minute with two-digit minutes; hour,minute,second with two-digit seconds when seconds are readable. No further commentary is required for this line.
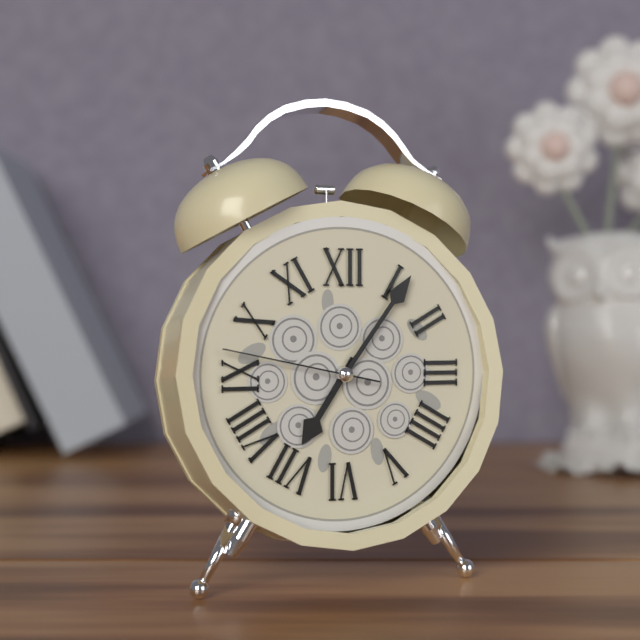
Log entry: 7,06,47
